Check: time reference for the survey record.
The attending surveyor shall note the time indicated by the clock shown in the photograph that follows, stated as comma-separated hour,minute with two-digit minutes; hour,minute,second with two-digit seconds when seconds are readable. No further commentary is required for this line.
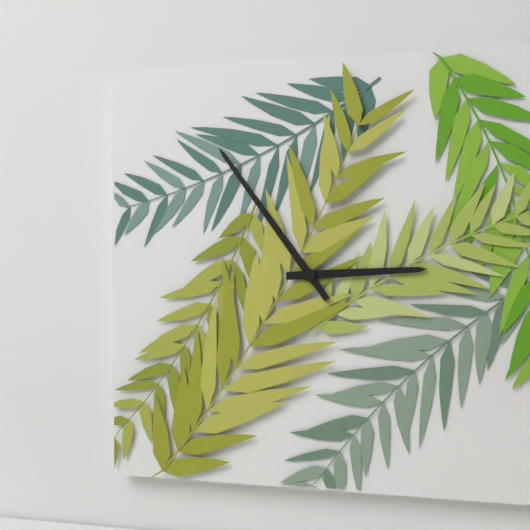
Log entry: 2,54
